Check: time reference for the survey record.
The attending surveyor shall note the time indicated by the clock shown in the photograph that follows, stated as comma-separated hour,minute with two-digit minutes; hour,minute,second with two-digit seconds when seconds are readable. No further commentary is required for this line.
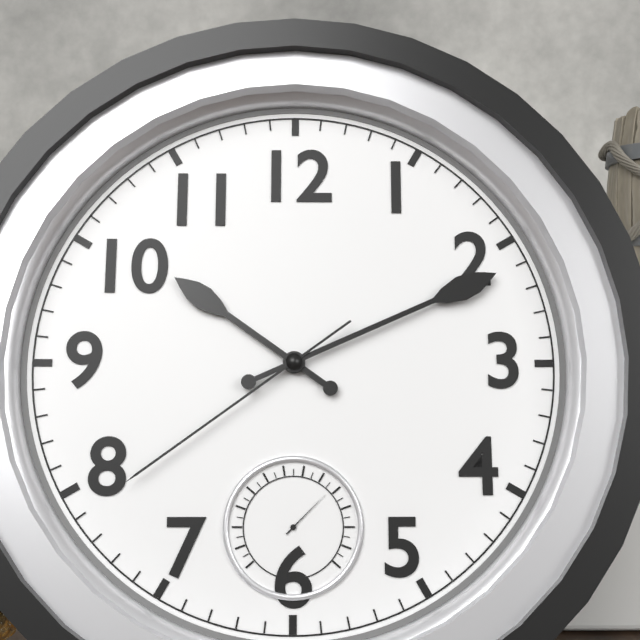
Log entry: 10,11,39
